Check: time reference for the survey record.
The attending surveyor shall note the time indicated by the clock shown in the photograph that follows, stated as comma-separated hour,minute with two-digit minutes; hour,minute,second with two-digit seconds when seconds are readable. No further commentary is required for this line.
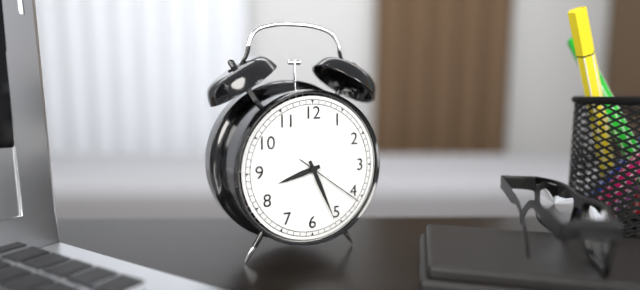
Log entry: 8,26,21
